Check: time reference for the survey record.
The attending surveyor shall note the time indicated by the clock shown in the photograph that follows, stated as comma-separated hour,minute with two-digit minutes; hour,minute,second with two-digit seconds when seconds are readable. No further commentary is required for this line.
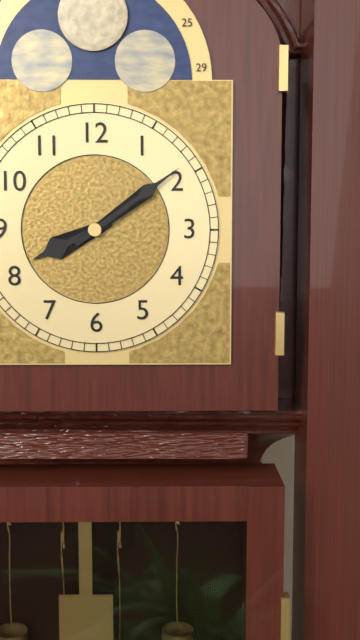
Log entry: 8,09
